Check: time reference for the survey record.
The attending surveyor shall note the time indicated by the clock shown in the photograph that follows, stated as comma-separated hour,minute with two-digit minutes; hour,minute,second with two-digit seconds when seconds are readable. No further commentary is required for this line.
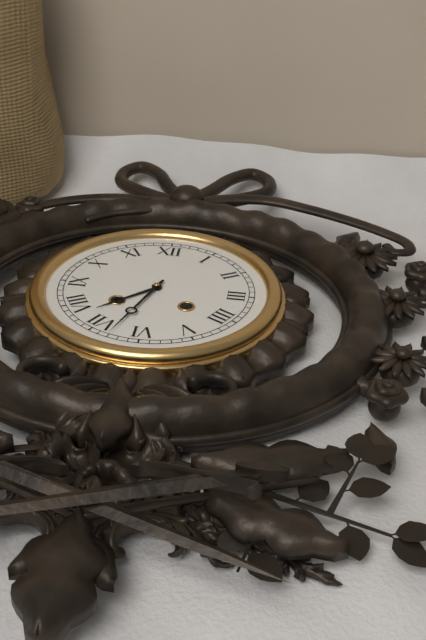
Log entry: 7,33
